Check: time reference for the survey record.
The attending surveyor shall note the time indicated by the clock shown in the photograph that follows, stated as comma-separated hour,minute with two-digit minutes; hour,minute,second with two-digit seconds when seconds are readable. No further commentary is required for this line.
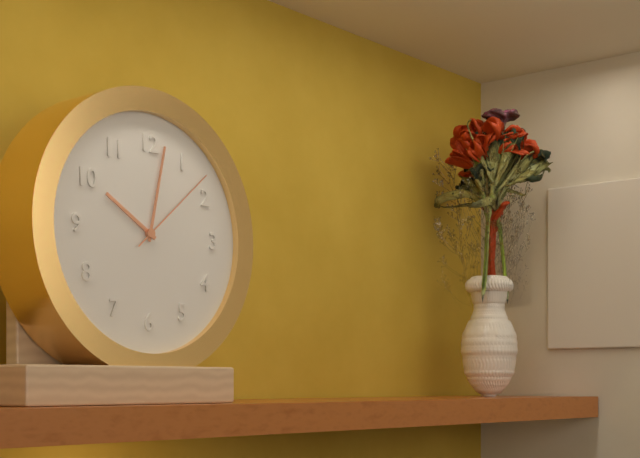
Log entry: 10,02,08
